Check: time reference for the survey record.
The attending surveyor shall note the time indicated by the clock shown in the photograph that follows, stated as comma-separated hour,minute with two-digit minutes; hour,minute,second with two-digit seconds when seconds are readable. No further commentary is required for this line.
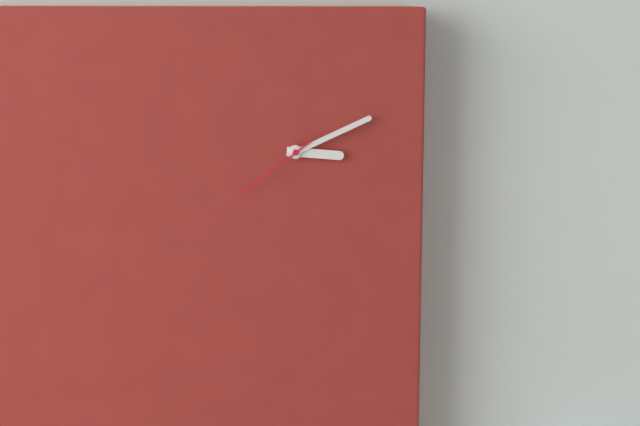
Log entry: 3,11,39
